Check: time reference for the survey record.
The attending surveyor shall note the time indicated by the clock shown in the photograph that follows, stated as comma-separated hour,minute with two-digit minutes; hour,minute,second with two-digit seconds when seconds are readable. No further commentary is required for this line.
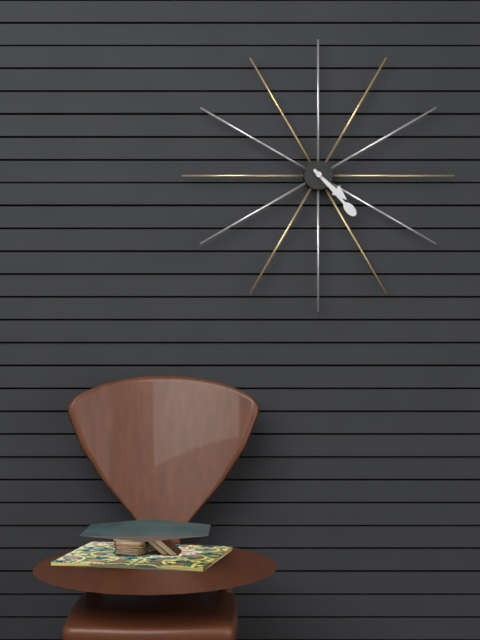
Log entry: 4,23
